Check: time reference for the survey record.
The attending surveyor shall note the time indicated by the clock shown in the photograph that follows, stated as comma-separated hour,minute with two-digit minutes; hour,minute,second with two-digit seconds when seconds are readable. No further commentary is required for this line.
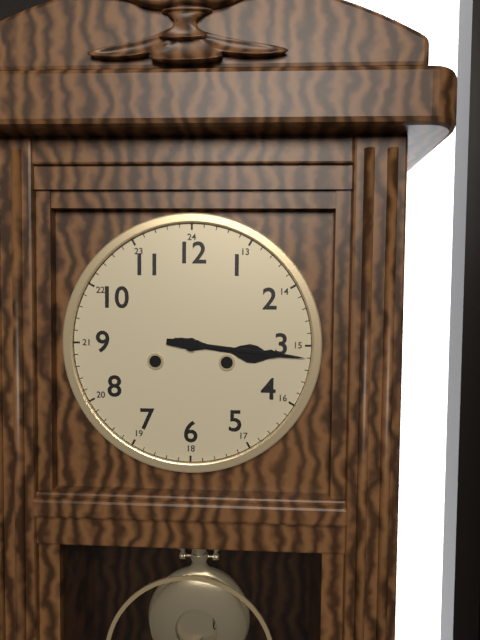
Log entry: 3,16
